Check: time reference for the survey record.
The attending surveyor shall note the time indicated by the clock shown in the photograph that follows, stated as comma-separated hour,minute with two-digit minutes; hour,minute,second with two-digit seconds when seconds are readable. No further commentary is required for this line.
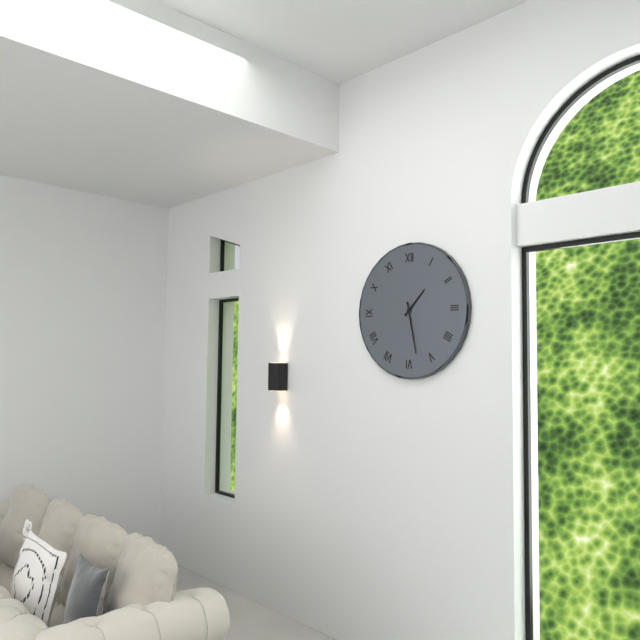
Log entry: 1,28
